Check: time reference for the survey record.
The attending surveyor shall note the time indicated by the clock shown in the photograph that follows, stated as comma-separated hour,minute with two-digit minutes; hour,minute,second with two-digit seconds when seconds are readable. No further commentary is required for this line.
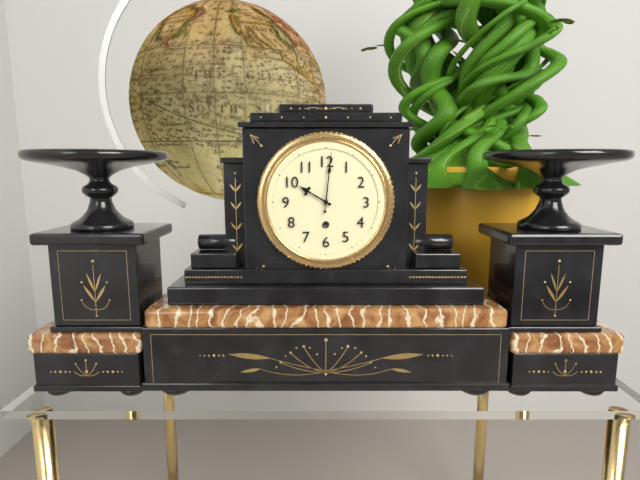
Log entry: 10,01
